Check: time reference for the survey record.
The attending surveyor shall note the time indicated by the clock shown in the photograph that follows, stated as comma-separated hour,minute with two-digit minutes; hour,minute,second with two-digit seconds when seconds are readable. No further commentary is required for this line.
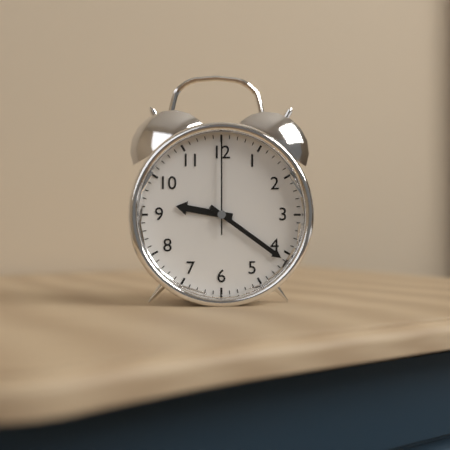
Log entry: 9,21,00
